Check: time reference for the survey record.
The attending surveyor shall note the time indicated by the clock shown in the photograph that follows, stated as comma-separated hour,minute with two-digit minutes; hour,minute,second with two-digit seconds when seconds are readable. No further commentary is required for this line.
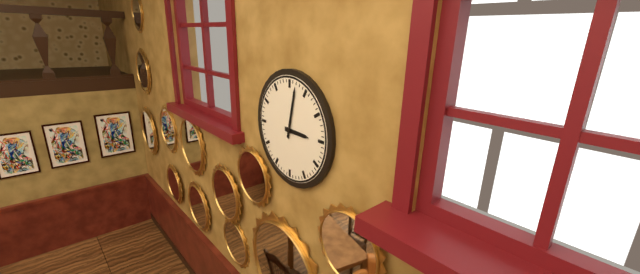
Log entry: 3,02
